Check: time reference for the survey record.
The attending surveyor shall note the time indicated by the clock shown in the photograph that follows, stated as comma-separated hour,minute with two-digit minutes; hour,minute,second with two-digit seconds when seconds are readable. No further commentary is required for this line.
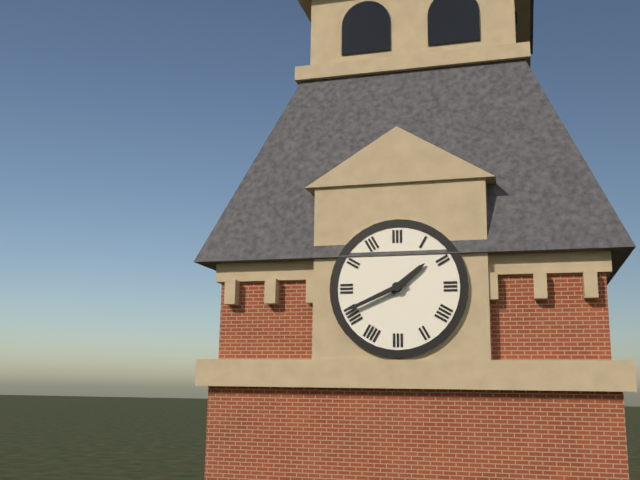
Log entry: 1,41
